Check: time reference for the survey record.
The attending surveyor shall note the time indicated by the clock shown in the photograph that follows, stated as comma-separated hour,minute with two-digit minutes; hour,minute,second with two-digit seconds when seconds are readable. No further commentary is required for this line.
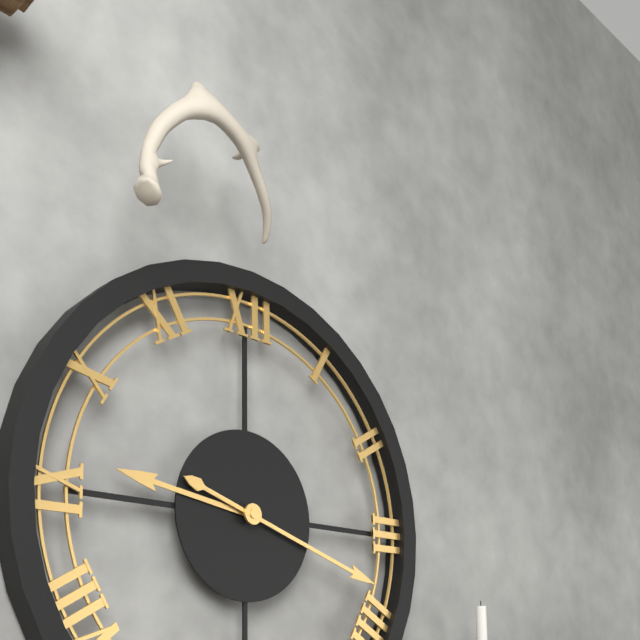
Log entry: 9,18
